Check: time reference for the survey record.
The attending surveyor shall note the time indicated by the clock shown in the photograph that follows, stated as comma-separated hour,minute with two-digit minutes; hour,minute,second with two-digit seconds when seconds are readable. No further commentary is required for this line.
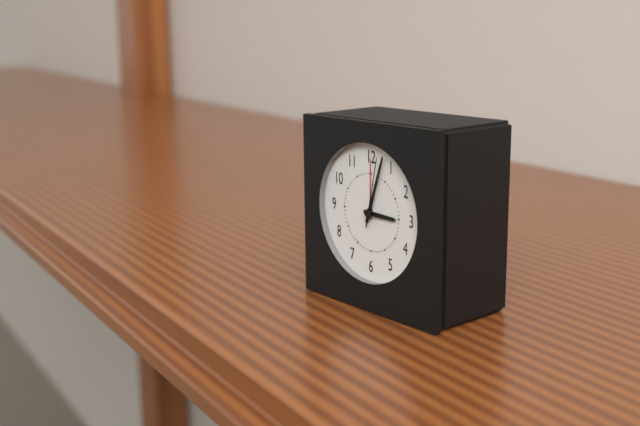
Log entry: 3,03,02
